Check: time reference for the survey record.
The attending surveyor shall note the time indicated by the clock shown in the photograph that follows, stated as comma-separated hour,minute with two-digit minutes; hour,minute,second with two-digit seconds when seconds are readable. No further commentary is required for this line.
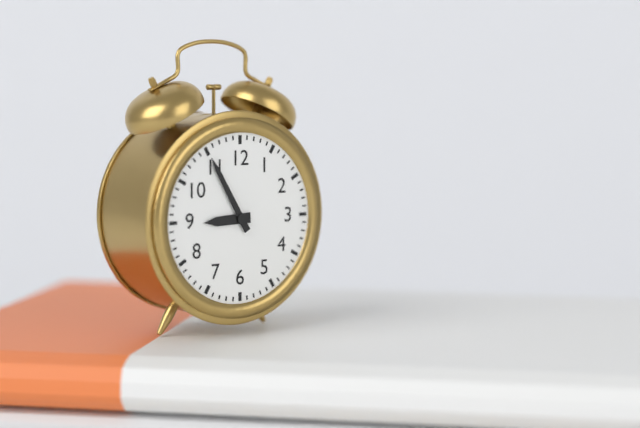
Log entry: 8,55
